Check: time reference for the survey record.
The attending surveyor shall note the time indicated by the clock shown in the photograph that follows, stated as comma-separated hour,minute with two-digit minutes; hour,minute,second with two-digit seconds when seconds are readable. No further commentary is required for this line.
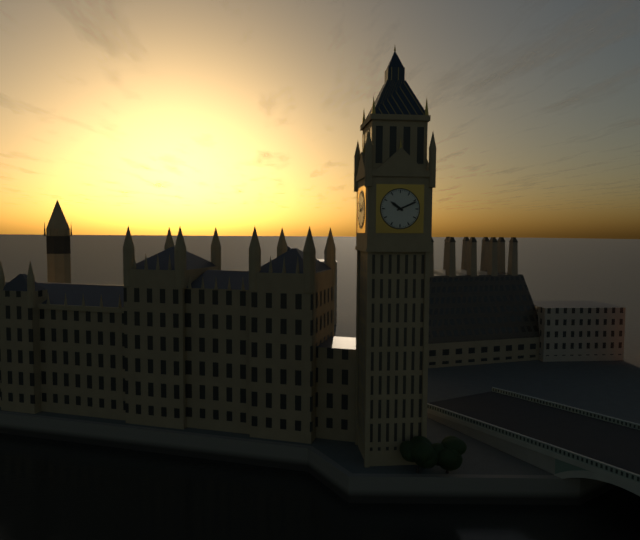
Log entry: 10,11
